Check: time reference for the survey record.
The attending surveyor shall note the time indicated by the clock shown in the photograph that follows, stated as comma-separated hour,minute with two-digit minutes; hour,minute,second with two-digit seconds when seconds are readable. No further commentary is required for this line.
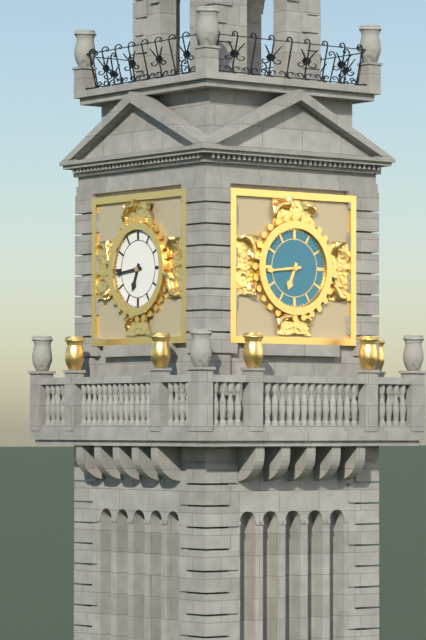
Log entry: 6,44
